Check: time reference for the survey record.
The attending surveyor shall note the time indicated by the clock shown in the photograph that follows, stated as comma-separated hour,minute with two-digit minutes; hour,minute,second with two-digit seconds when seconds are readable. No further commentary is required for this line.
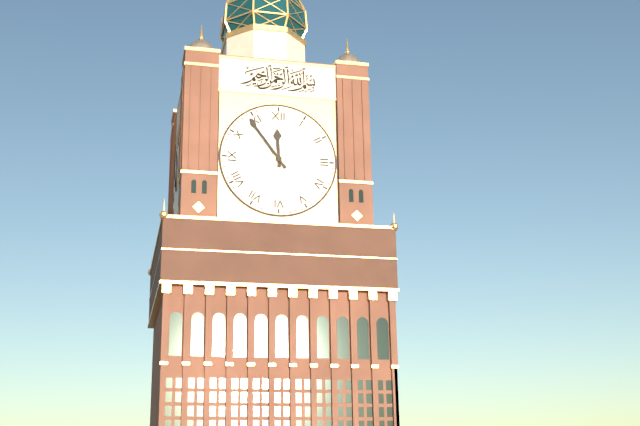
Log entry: 11,54
